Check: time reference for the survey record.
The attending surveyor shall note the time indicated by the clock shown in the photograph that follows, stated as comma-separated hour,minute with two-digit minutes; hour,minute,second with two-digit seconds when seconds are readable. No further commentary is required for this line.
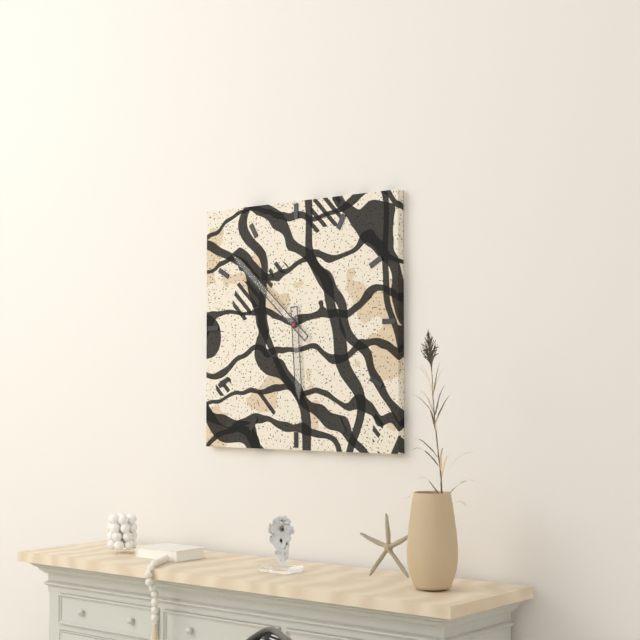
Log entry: 5,52
